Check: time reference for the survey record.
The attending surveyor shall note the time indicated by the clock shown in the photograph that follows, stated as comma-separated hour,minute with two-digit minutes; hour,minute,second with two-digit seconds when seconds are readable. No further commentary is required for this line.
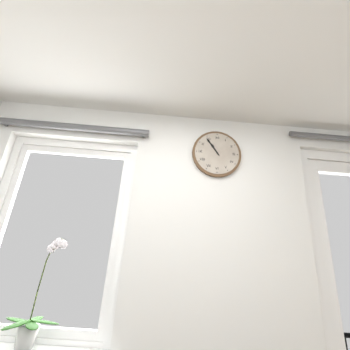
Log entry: 10,54
